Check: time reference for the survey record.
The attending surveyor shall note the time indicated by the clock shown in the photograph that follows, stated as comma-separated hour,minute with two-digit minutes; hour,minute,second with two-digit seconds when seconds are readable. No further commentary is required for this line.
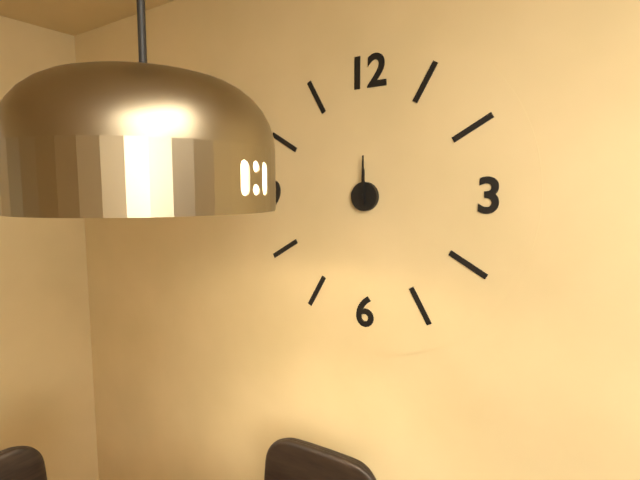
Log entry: 12,00
